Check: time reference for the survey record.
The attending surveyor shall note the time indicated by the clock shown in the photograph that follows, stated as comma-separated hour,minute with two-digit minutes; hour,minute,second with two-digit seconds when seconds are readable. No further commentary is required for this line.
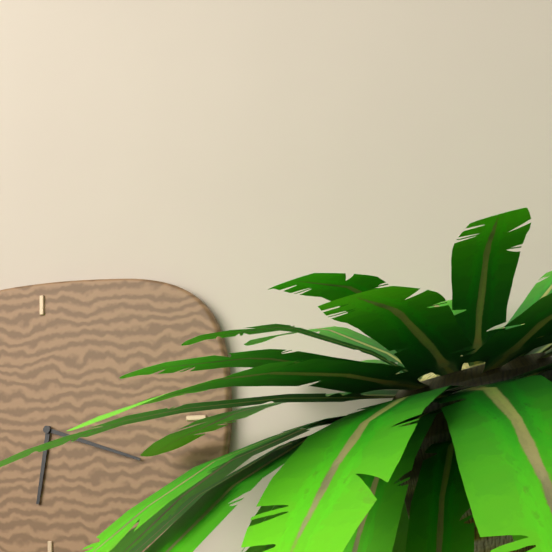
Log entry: 6,18
